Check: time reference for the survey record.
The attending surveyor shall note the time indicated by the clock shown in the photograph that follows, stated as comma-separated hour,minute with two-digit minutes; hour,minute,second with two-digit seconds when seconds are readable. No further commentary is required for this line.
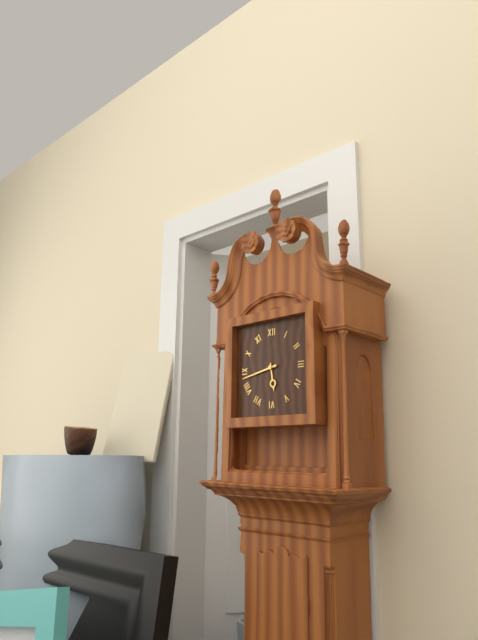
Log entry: 5,43
